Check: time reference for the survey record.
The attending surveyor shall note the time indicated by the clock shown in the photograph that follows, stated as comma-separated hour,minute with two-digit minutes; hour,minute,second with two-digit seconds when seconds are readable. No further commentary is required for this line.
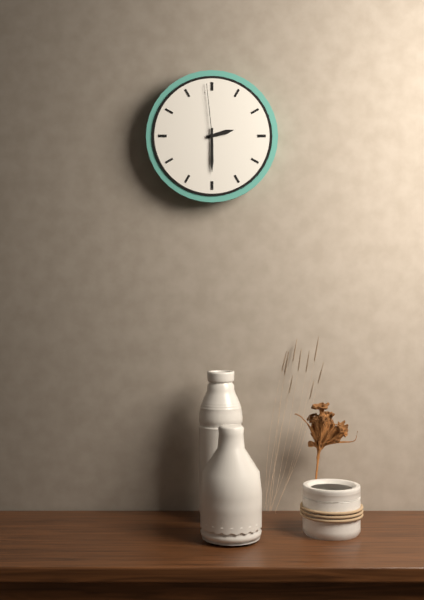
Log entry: 2,30,59
